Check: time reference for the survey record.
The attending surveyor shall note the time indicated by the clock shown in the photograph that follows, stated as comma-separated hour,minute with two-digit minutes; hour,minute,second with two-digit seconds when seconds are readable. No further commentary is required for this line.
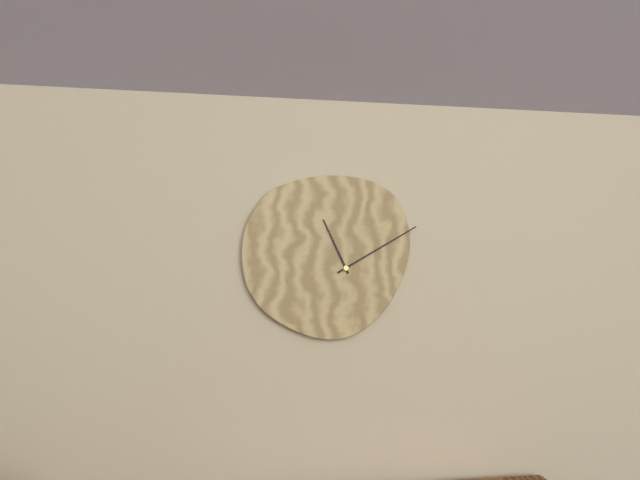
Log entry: 11,10
